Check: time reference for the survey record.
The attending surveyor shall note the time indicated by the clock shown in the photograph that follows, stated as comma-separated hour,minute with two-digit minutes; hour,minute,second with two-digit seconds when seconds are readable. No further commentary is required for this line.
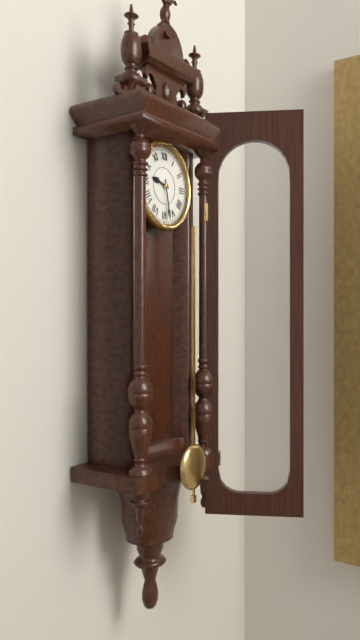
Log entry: 9,28
